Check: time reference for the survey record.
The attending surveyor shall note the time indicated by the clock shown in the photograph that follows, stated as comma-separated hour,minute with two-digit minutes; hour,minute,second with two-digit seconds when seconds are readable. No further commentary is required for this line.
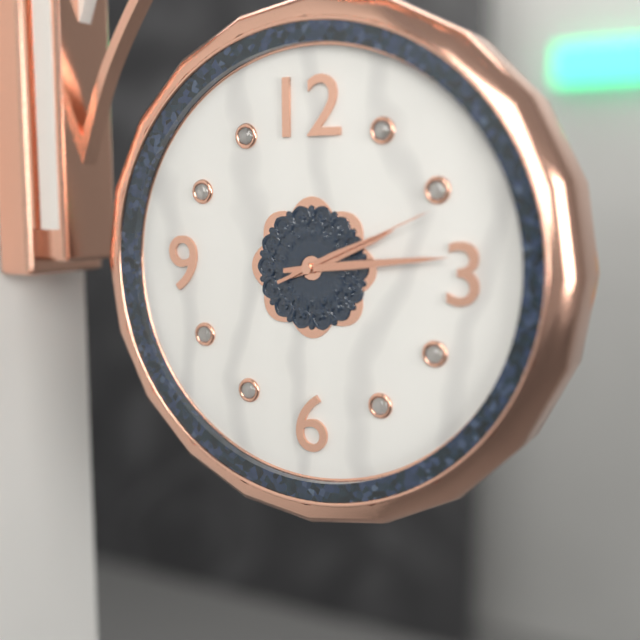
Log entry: 2,14,11
